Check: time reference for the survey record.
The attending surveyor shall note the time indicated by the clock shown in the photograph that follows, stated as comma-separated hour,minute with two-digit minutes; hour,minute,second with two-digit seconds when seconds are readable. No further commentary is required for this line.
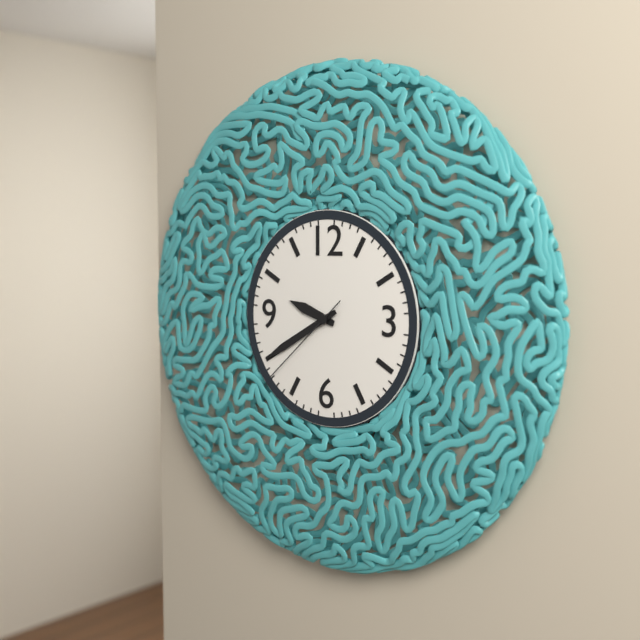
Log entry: 9,40,38
